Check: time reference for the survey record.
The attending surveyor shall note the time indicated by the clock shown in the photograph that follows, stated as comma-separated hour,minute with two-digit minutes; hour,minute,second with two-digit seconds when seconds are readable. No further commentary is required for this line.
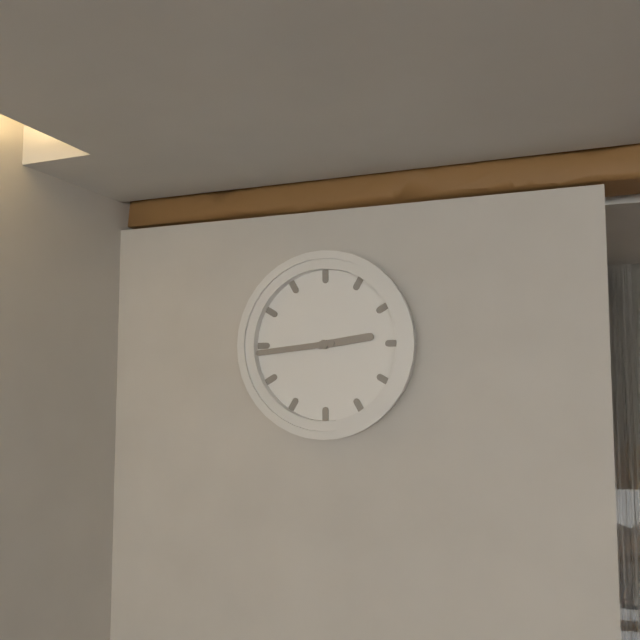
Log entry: 2,44
